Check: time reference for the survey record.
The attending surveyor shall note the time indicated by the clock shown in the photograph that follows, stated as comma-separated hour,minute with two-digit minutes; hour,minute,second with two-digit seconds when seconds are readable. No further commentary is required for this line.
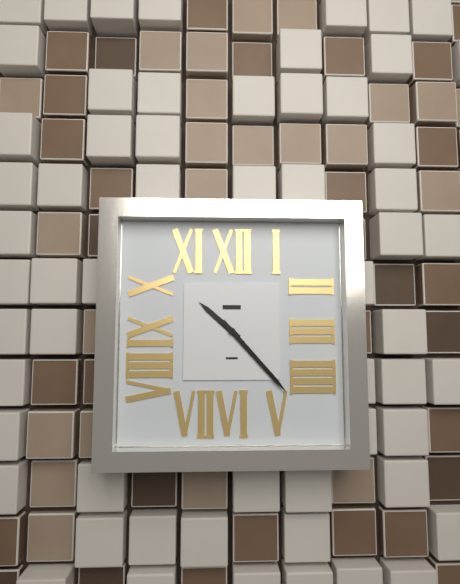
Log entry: 10,23
